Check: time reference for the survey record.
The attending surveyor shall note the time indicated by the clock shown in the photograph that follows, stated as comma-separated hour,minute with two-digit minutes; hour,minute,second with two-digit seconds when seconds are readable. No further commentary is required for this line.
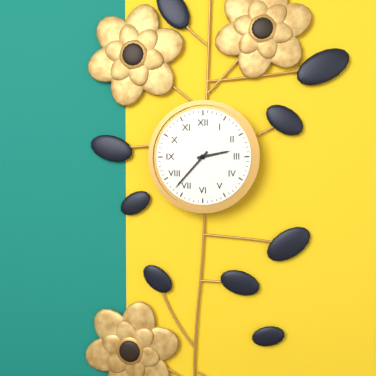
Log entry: 2,37
